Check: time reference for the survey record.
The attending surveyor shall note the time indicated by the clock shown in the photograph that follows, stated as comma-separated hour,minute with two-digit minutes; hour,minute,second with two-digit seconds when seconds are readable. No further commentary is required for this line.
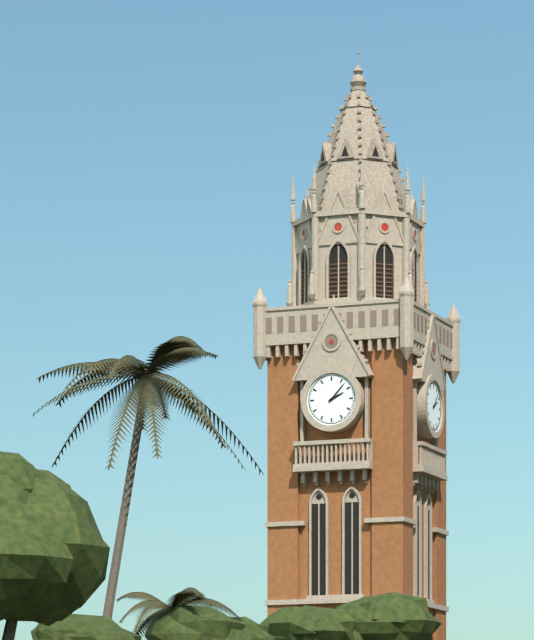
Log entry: 2,07
